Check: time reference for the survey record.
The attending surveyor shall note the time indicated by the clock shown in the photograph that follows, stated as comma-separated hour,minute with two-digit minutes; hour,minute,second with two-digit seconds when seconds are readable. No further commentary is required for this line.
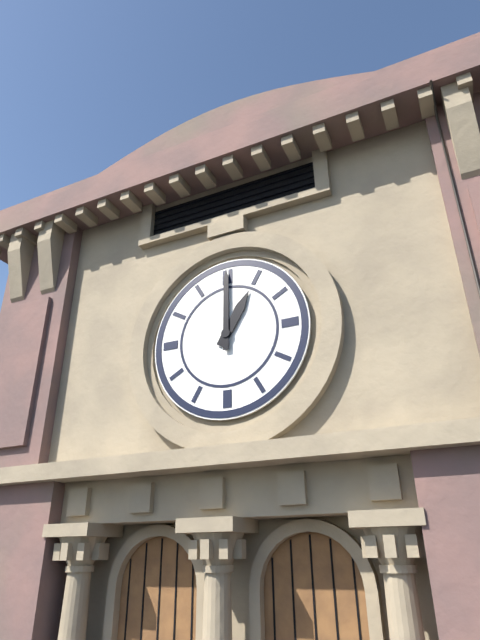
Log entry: 1,00
